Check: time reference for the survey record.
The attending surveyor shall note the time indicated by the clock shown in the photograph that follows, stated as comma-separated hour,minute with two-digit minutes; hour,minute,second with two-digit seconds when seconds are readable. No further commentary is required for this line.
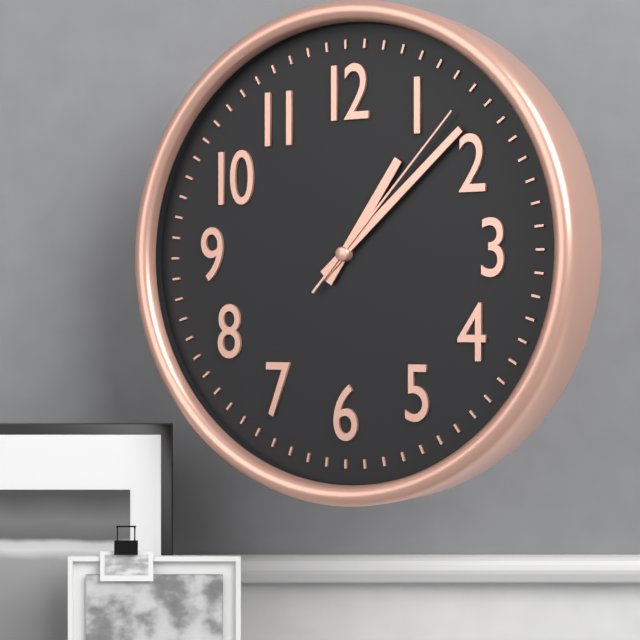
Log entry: 1,08,07
